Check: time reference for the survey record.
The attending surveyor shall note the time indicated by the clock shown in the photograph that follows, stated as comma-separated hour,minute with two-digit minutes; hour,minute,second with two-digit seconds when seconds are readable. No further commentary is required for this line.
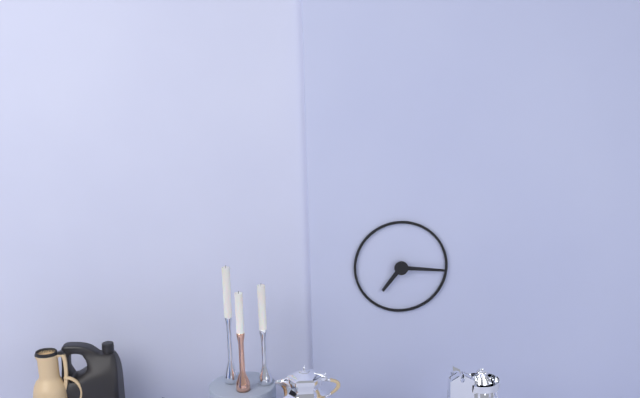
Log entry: 7,16
